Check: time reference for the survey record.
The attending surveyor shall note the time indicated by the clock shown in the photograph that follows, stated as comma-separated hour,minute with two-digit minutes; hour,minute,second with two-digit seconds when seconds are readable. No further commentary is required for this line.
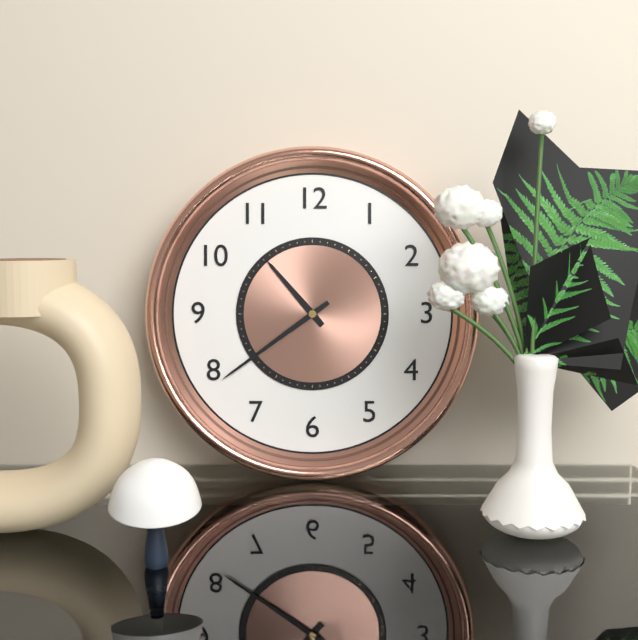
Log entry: 10,39
